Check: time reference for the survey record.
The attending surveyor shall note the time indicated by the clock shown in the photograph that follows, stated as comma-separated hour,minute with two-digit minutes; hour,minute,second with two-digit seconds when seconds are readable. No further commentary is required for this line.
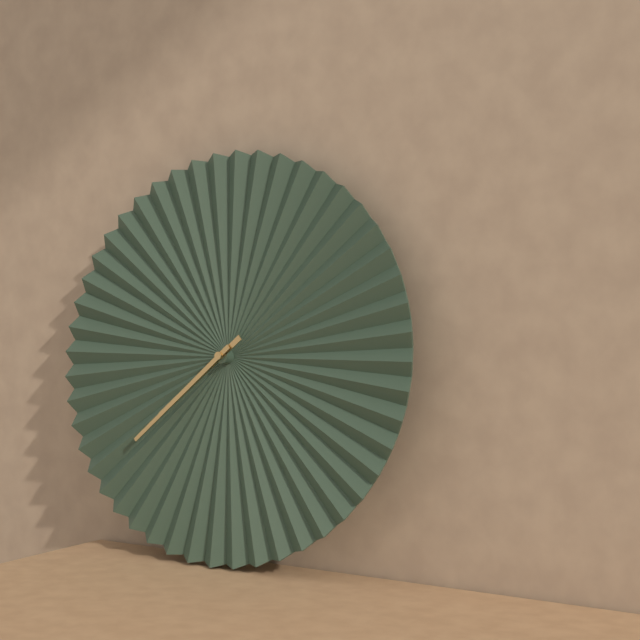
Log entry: 7,38
